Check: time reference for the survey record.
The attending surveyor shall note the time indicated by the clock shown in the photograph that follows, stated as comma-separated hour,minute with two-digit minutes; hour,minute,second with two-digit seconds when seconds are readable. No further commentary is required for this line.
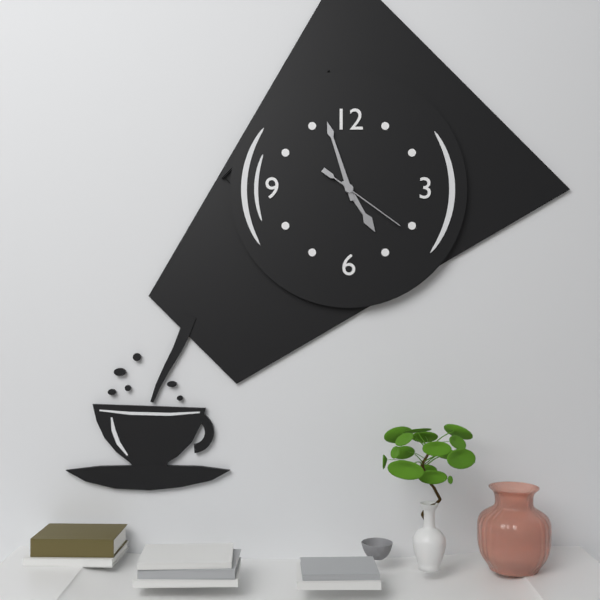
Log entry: 4,57,21
